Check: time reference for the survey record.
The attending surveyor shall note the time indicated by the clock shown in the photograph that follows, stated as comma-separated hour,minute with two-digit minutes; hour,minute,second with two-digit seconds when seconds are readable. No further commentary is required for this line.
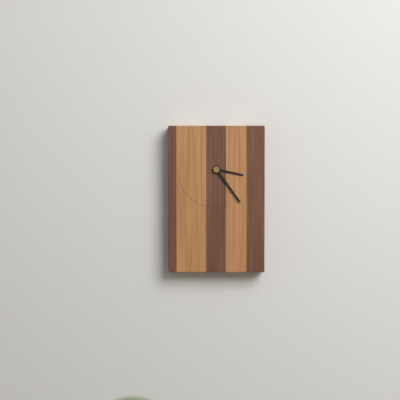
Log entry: 3,24
